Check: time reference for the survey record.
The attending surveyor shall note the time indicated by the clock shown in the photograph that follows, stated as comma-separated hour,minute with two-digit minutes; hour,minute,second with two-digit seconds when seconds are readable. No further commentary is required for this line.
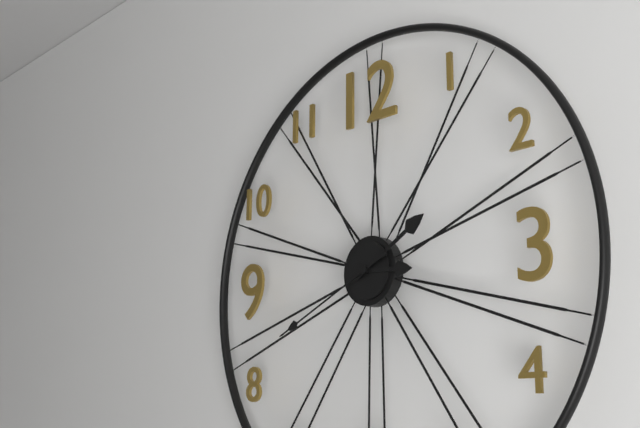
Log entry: 3,10,41
